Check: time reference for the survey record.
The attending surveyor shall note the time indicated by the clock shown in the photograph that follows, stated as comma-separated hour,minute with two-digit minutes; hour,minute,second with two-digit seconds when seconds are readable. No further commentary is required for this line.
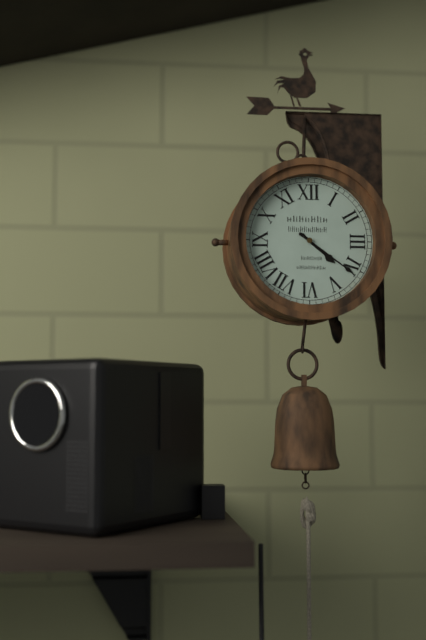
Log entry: 4,21
